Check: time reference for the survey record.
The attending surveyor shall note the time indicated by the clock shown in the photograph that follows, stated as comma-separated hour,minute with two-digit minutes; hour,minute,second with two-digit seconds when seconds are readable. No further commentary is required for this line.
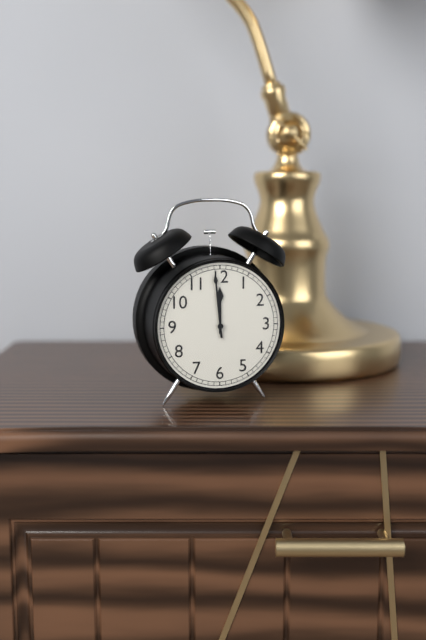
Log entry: 11,59
